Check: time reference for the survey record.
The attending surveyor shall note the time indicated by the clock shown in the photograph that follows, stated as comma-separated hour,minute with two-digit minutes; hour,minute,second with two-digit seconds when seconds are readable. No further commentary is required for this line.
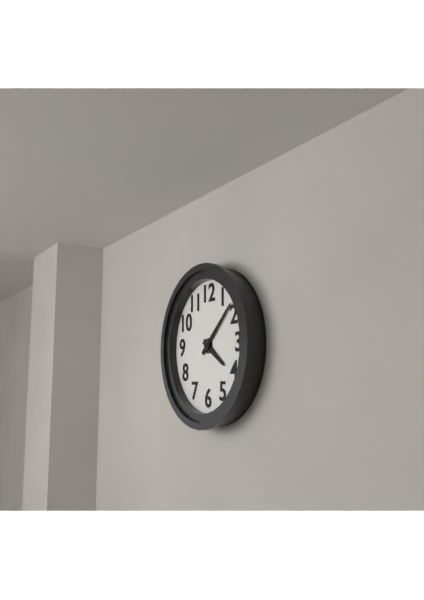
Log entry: 4,08
